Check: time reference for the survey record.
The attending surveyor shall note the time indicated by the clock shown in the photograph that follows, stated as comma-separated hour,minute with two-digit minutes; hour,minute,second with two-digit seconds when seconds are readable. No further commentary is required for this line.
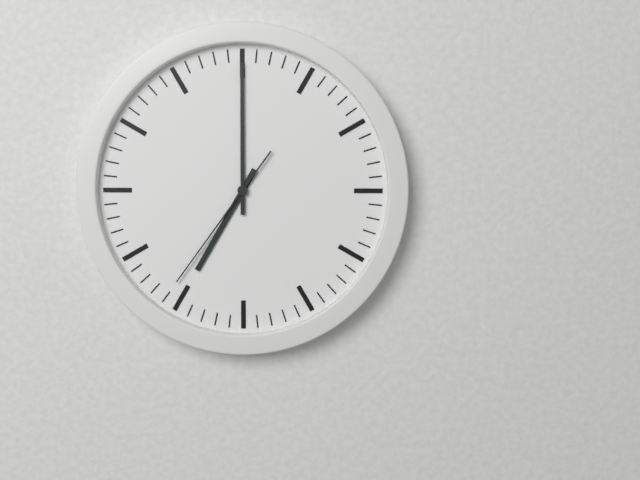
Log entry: 7,00,36
